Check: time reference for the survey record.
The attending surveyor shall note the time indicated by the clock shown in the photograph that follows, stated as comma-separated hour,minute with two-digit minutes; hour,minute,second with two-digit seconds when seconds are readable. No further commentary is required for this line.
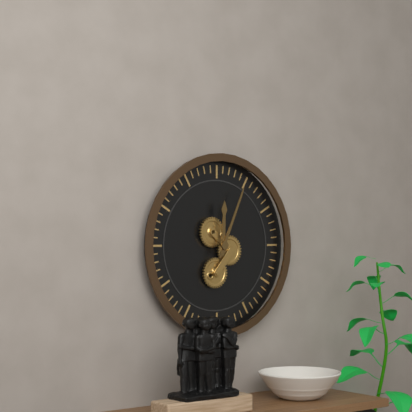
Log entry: 12,04
